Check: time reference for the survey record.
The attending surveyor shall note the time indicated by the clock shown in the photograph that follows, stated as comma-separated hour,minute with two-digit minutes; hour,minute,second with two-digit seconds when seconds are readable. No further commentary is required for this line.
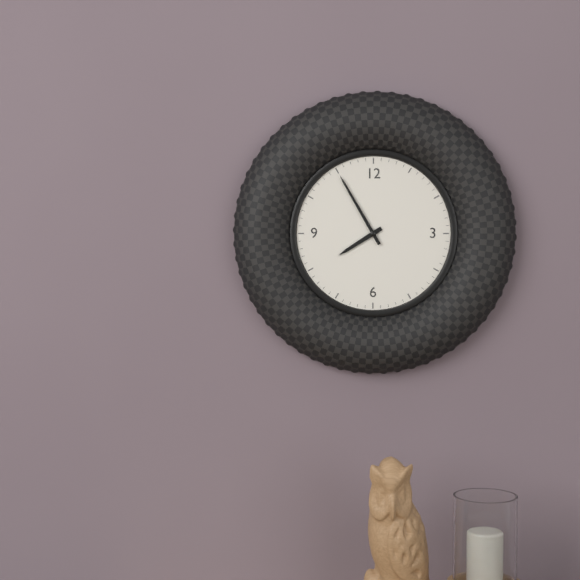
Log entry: 7,55
